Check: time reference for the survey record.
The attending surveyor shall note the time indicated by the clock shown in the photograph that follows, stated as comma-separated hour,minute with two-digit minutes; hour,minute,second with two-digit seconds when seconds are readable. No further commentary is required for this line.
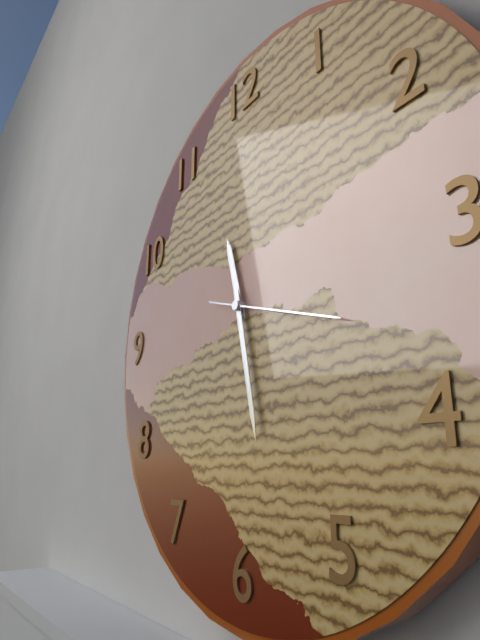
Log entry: 11,28,18
